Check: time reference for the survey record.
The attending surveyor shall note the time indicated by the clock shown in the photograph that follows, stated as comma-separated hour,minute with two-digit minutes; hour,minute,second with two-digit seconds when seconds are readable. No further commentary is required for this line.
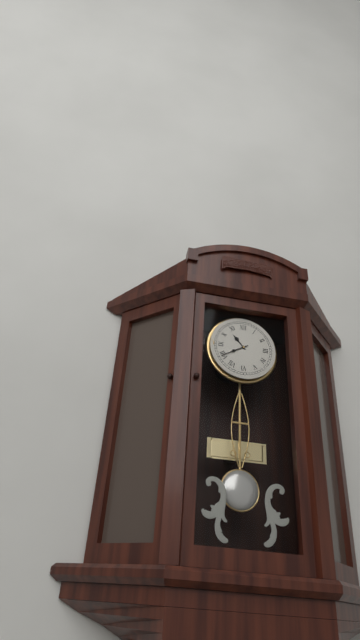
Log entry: 10,40
